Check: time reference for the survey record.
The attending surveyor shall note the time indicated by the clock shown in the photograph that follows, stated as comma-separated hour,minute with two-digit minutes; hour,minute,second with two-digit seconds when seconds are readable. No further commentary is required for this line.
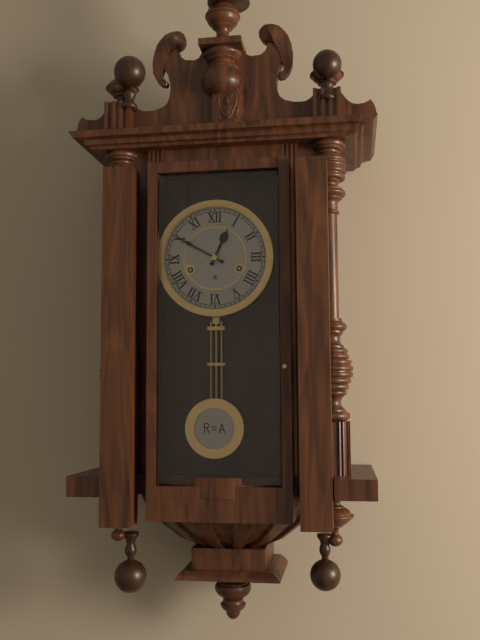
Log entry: 12,50
